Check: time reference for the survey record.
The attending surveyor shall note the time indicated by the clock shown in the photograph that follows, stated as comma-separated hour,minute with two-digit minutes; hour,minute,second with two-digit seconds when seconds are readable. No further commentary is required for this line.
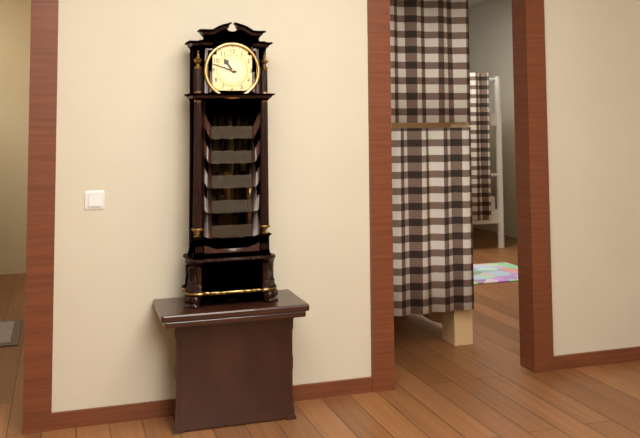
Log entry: 10,48
